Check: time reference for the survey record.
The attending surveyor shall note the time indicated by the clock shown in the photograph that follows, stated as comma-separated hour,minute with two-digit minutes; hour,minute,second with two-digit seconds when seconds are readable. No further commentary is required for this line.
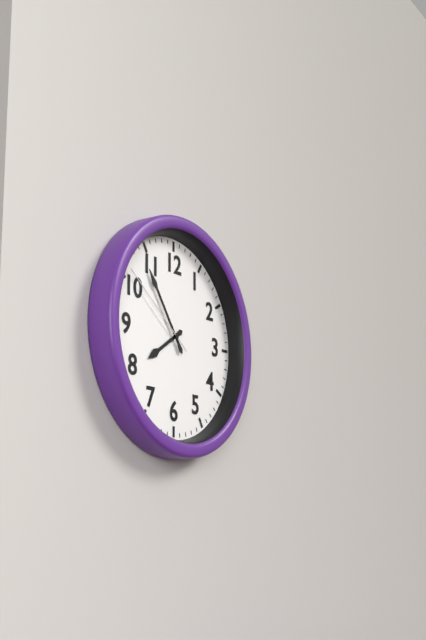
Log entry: 7,54,51
